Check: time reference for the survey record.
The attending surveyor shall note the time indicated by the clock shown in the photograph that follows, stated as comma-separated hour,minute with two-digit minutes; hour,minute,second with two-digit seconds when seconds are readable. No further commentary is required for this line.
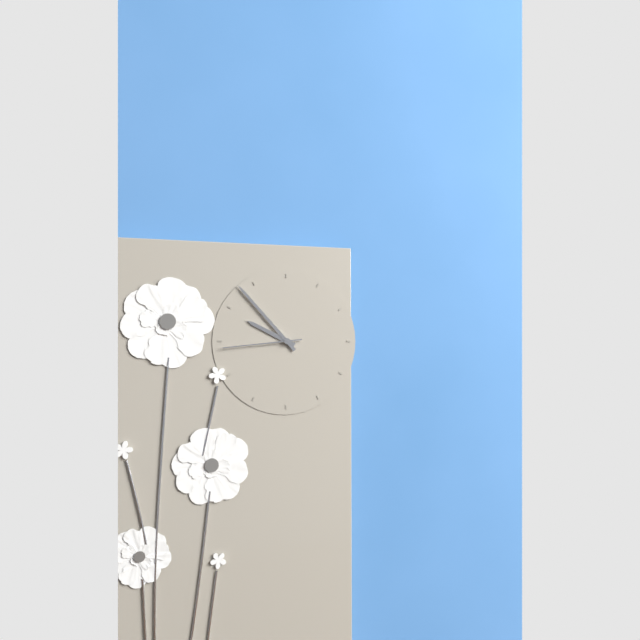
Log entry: 9,53,44
